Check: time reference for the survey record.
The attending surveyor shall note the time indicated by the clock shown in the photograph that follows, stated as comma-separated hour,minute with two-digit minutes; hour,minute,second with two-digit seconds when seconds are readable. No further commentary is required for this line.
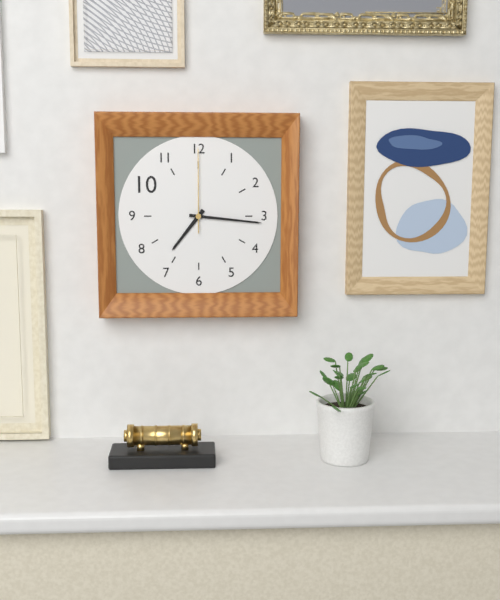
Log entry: 7,16,00
